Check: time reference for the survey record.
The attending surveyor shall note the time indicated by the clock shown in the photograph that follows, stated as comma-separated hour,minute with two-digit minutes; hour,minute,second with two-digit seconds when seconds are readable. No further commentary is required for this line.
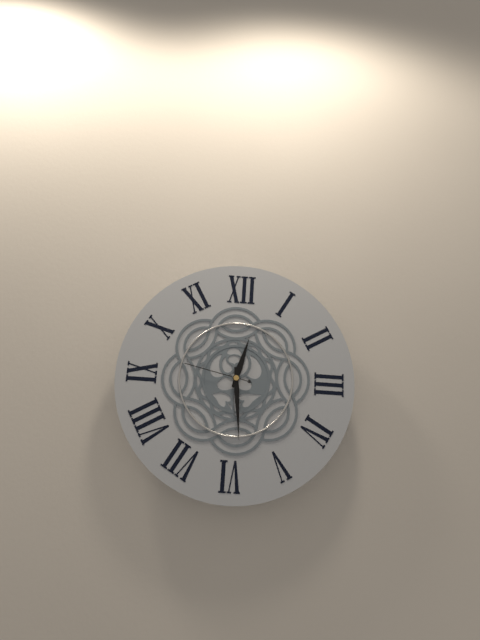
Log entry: 12,29,47
